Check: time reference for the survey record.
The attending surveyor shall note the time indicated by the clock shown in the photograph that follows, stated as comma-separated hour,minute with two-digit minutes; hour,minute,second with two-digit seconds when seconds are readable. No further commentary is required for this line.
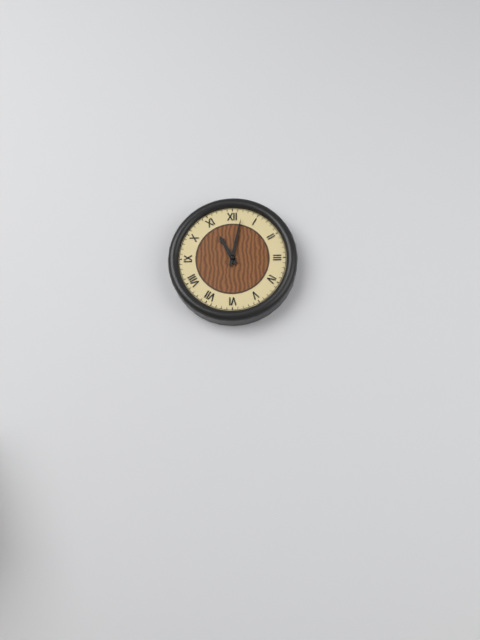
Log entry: 11,02
